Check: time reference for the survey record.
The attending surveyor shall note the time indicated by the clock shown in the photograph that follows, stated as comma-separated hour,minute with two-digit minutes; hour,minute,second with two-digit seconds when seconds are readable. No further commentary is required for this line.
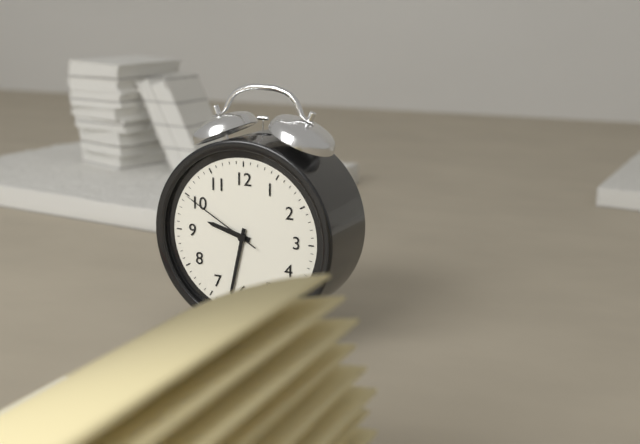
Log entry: 9,32,50
